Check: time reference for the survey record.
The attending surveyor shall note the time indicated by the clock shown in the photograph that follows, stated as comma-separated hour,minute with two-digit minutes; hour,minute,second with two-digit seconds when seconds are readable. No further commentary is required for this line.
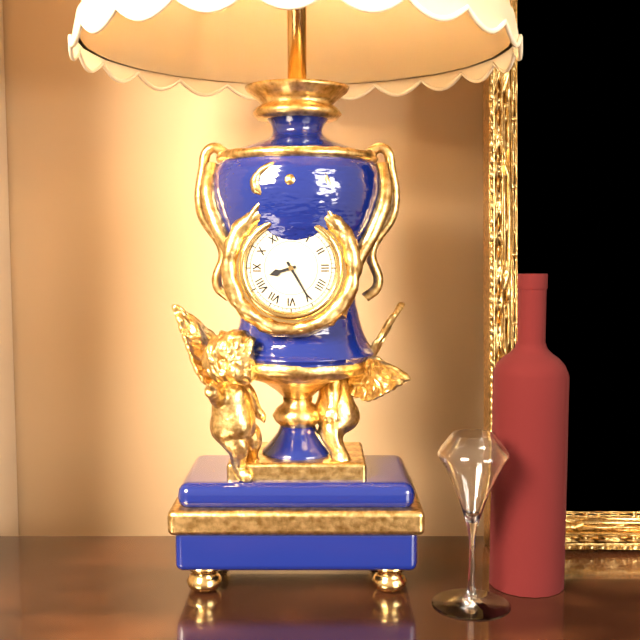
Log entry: 8,25
